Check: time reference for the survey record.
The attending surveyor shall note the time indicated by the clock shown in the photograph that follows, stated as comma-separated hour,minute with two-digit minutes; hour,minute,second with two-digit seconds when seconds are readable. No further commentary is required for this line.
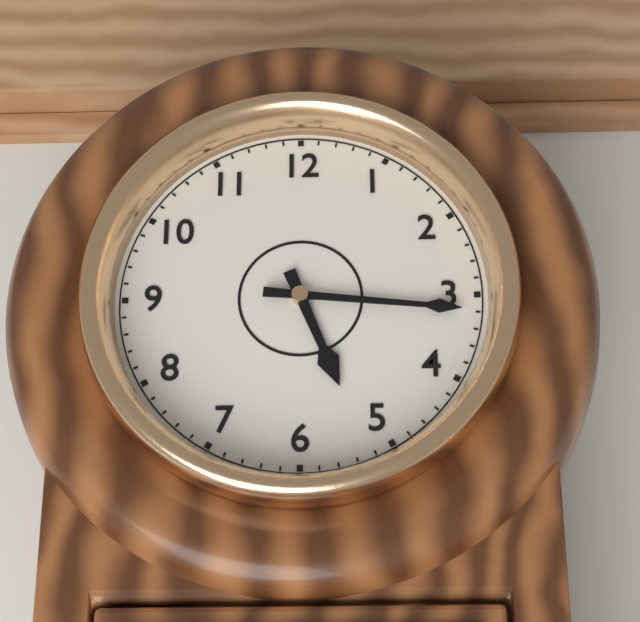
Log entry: 5,16
